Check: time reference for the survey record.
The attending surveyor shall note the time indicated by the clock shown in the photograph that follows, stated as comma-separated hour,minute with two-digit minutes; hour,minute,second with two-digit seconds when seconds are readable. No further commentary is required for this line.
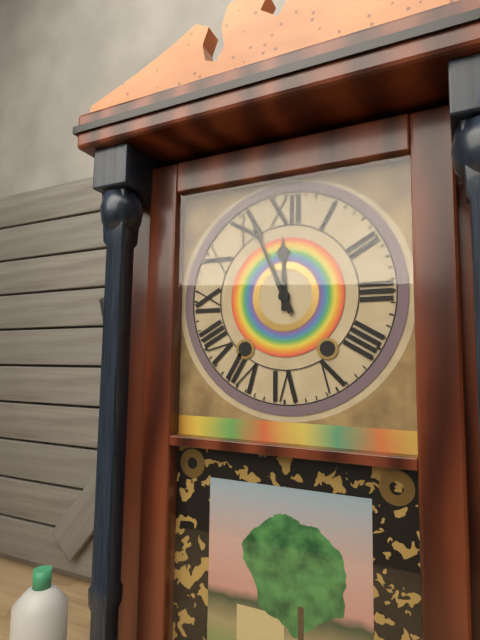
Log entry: 11,56
